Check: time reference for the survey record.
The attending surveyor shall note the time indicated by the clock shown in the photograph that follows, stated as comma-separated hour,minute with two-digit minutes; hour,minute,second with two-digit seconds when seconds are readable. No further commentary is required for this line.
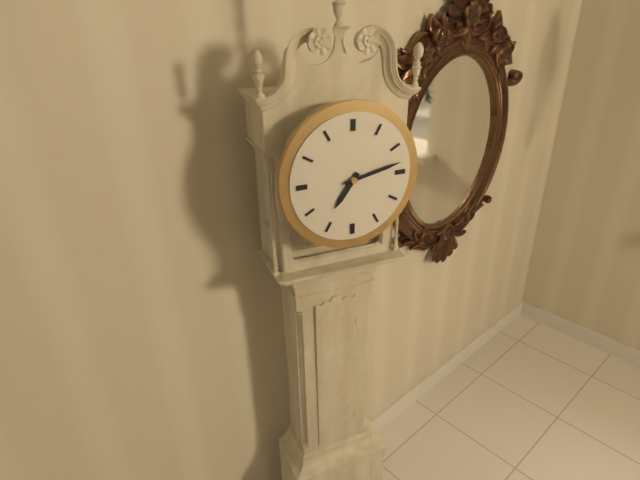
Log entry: 7,13
